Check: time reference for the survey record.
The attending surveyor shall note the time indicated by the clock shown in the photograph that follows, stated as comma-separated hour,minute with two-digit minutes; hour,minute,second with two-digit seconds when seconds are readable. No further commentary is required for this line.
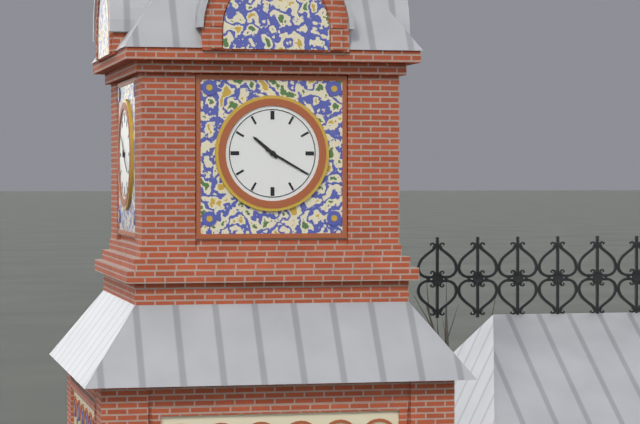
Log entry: 10,20
